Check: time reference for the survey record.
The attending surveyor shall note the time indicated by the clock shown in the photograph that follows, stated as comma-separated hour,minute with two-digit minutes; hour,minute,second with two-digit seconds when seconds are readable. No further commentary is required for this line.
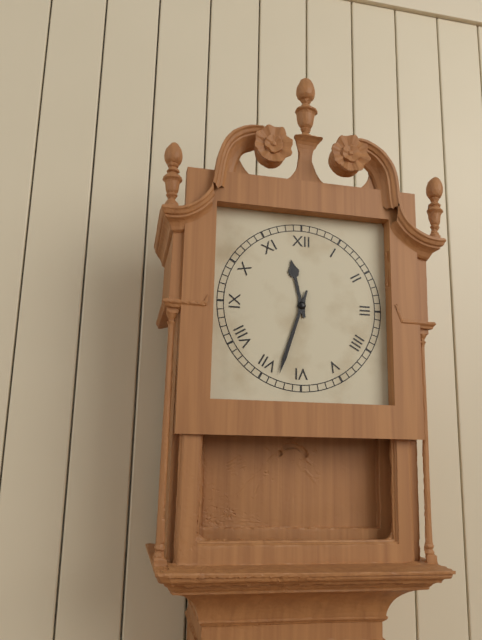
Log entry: 11,33
